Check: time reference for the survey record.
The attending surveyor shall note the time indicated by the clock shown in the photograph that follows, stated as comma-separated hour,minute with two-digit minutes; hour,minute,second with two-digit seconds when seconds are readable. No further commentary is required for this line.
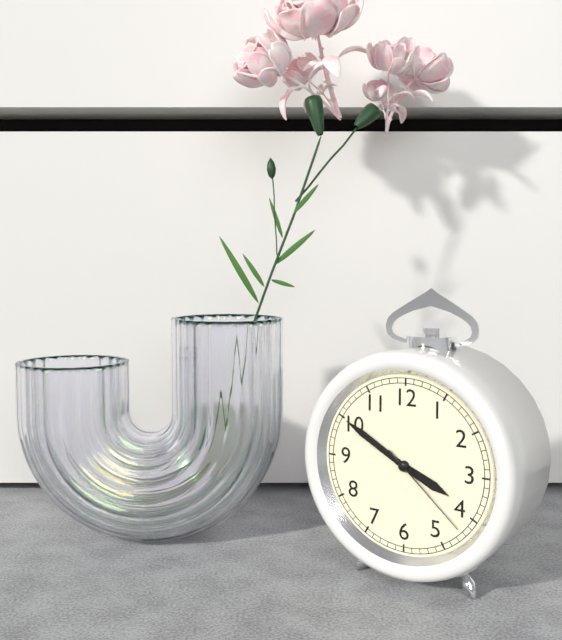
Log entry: 3,50,22
